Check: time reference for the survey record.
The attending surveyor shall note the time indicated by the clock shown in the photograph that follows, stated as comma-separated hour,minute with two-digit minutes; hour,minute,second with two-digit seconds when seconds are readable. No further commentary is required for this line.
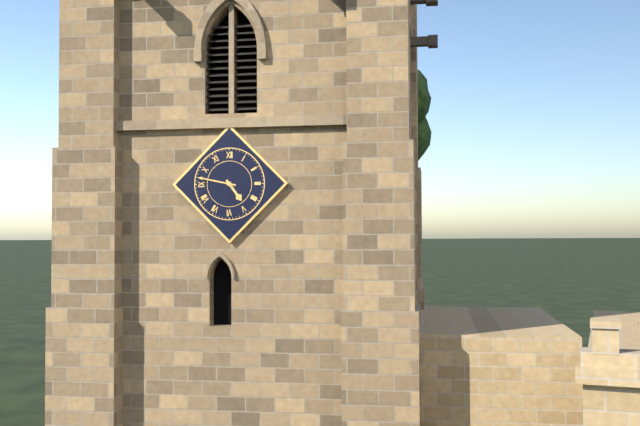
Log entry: 4,47
